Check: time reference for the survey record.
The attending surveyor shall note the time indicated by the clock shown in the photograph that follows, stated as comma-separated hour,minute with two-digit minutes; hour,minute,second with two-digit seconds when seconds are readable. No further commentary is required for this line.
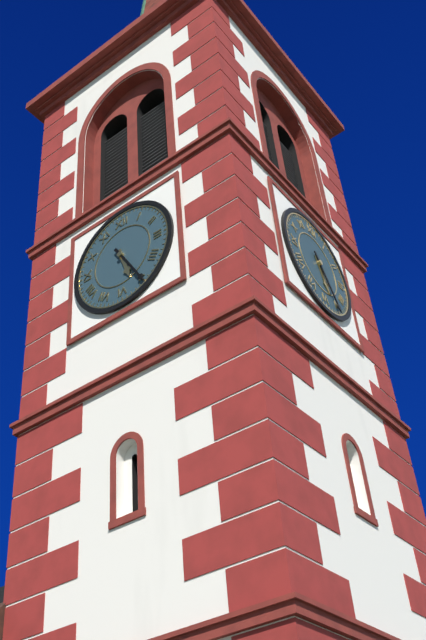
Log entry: 5,25
